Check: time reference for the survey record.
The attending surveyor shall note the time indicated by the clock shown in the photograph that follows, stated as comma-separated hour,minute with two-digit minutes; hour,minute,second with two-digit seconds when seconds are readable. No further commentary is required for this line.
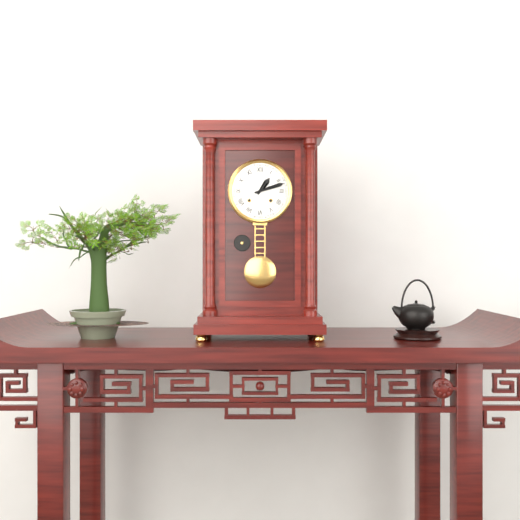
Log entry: 1,12
